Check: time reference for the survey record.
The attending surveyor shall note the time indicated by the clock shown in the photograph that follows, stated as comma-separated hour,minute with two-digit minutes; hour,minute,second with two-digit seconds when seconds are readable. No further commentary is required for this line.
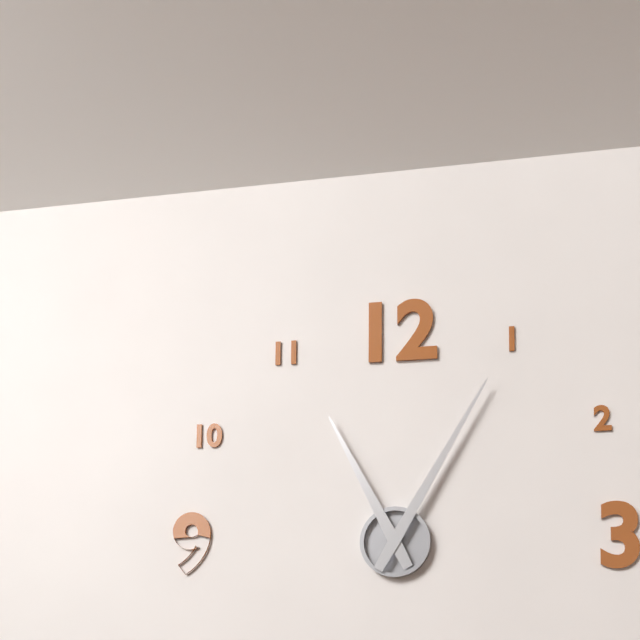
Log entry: 11,05
